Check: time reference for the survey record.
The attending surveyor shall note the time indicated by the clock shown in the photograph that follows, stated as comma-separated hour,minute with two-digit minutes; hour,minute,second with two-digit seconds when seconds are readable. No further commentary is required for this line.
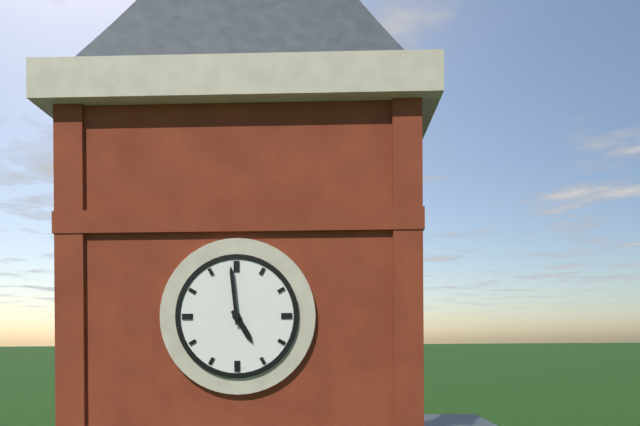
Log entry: 4,59
